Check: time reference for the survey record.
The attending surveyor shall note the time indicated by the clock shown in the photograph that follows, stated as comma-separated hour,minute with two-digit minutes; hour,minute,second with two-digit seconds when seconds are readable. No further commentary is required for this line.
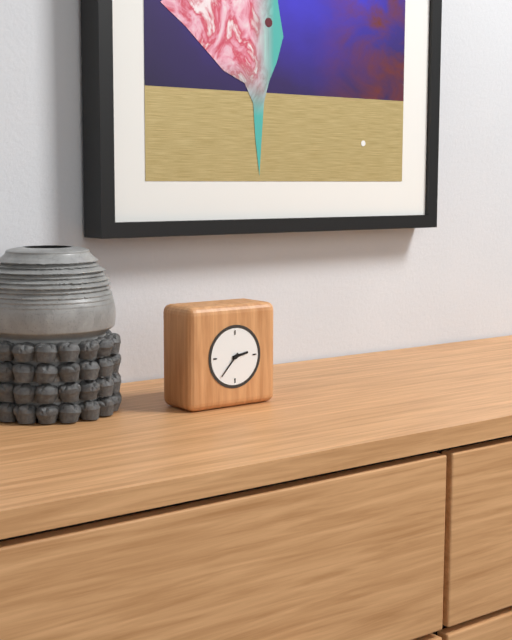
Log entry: 2,37
